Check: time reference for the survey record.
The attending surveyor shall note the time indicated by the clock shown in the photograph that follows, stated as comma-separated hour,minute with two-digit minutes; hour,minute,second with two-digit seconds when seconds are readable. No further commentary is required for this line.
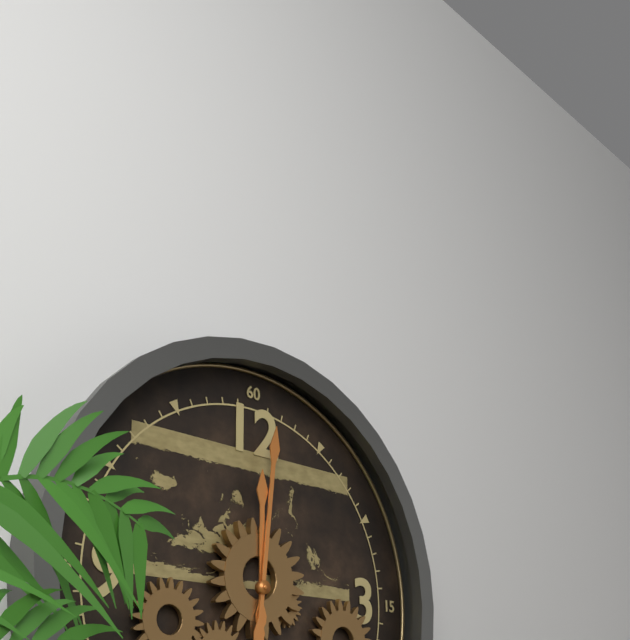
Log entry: 12,01
